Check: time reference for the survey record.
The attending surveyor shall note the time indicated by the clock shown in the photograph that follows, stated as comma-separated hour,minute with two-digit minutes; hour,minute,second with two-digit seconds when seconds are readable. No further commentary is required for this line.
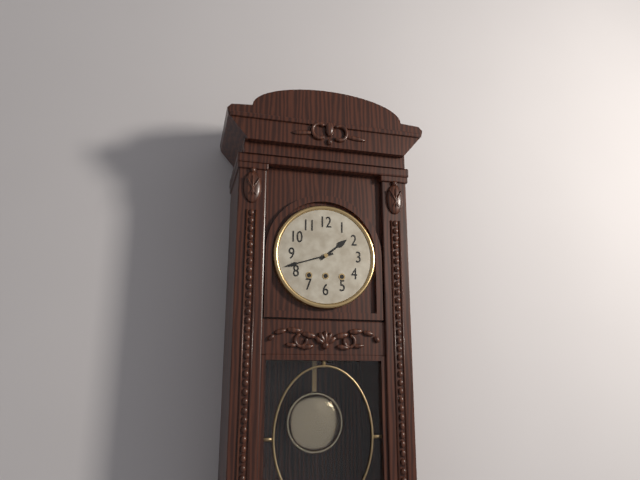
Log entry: 1,42
